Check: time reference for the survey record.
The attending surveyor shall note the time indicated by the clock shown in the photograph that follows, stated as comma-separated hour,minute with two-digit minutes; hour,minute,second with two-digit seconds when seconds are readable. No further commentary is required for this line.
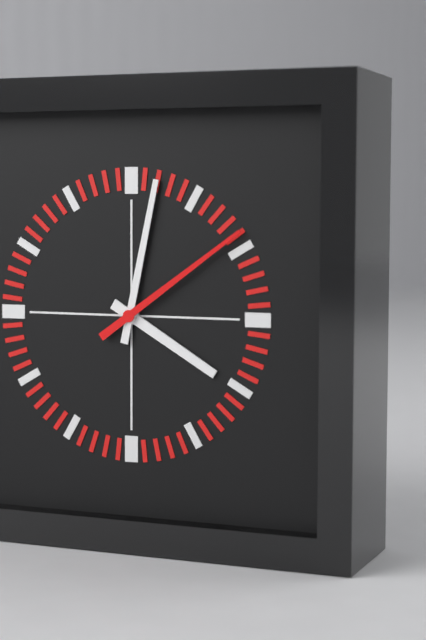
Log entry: 4,02,09
